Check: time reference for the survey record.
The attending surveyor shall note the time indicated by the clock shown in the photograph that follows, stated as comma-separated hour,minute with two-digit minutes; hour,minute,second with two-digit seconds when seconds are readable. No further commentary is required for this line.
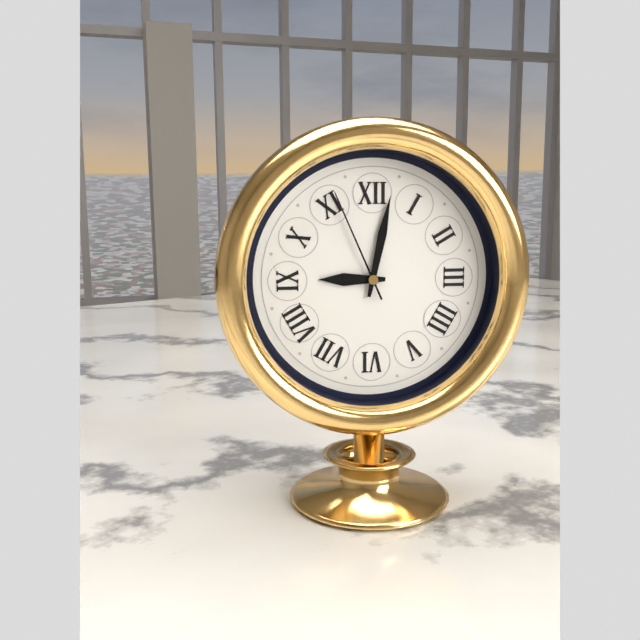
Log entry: 9,02,56
